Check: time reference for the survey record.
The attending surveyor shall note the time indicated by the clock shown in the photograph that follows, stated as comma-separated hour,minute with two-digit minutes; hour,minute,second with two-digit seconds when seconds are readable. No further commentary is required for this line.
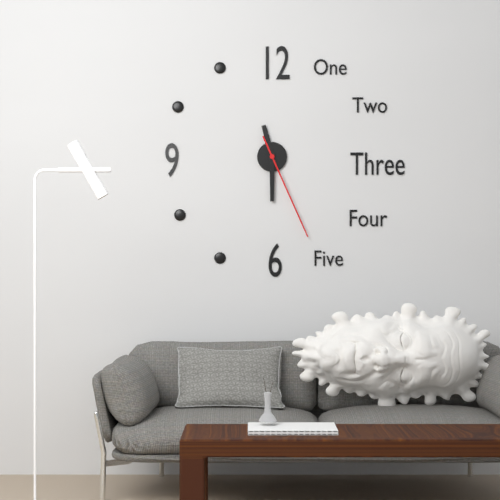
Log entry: 11,30,26
